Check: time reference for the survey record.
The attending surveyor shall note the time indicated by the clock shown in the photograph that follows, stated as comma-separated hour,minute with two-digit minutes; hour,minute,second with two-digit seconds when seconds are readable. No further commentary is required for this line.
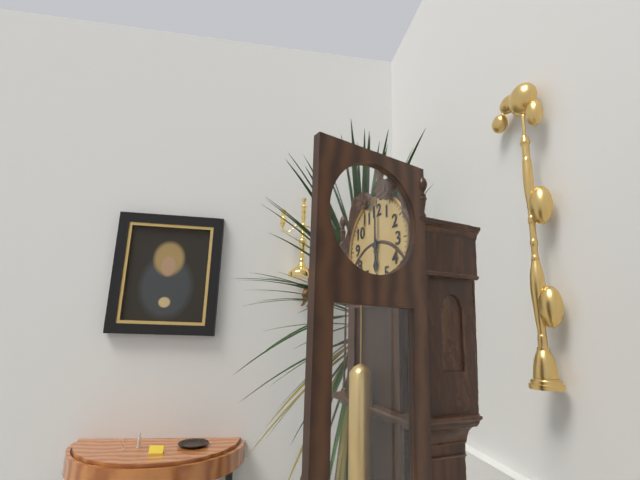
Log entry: 6,00
